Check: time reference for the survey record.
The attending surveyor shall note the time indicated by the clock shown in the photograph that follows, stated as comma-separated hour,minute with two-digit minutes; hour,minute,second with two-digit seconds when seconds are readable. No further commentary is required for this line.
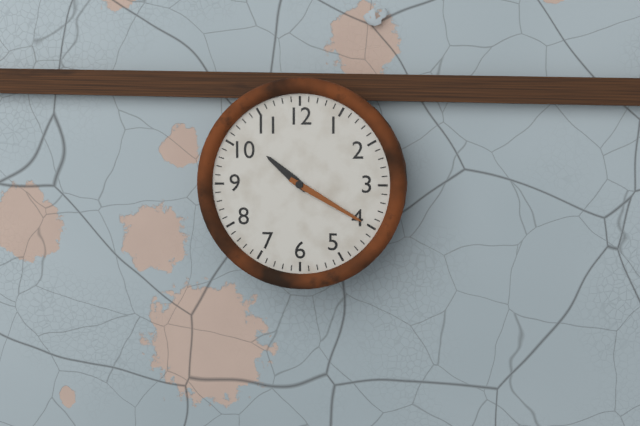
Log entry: 10,20
